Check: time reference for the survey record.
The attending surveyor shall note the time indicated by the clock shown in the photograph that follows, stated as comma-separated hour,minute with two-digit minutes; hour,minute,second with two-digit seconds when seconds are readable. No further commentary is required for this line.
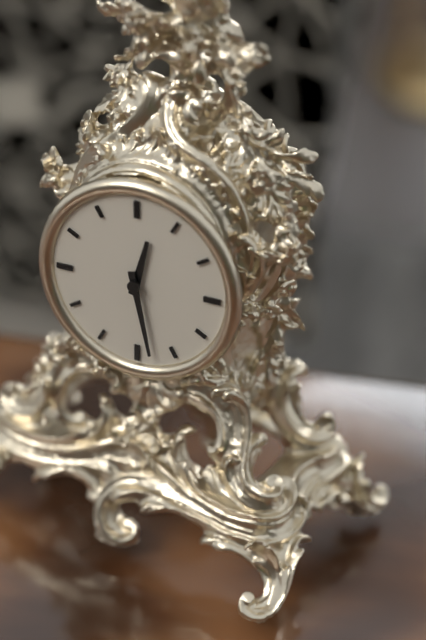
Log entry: 12,28
